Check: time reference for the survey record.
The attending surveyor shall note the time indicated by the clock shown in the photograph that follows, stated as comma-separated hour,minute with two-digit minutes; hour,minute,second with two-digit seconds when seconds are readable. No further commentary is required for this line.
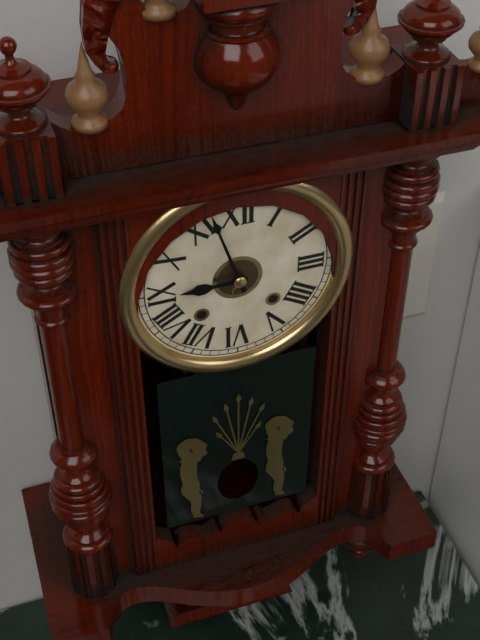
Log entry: 8,57
